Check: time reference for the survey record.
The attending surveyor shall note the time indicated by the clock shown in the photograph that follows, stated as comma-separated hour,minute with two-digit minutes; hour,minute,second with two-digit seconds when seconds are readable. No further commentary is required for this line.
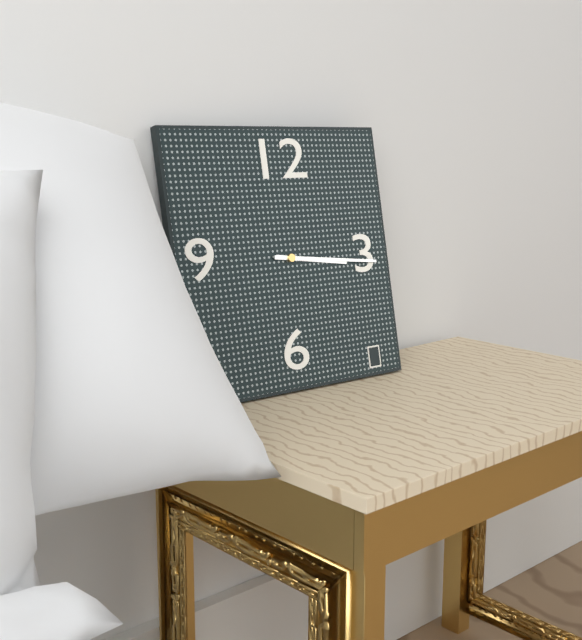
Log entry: 3,16
